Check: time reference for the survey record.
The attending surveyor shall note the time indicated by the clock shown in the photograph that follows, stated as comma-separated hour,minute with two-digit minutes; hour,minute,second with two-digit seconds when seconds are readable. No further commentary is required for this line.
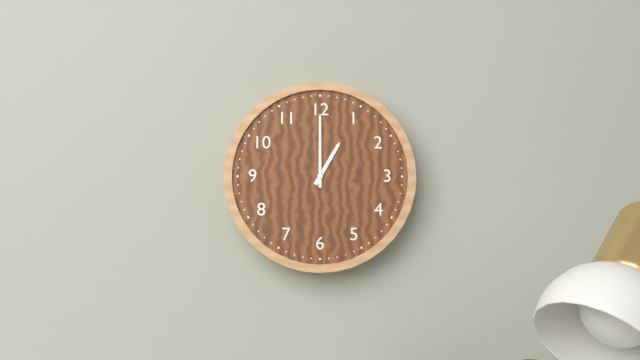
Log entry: 1,00
